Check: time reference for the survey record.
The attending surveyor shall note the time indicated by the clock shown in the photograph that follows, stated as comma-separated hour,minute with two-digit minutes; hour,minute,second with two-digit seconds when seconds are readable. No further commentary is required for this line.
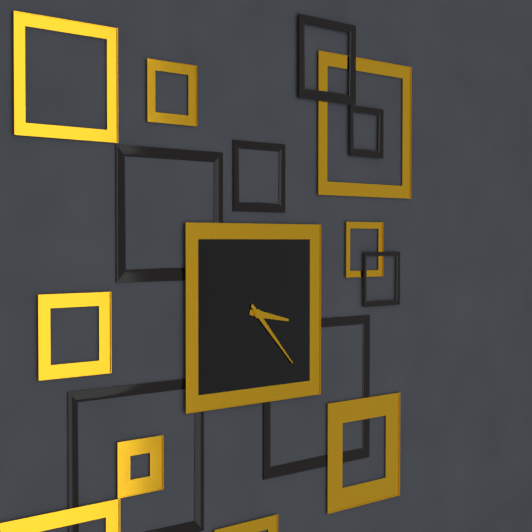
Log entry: 3,23
